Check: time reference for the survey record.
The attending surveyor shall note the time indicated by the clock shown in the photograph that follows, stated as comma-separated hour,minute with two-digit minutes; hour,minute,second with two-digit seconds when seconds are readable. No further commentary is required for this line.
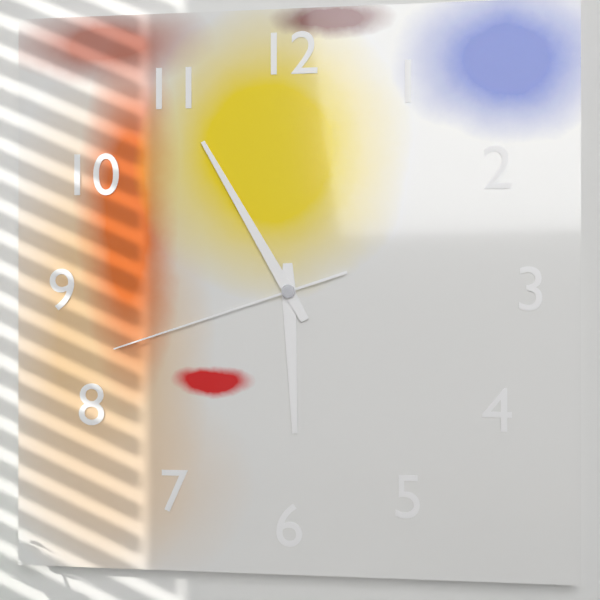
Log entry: 5,55,42
